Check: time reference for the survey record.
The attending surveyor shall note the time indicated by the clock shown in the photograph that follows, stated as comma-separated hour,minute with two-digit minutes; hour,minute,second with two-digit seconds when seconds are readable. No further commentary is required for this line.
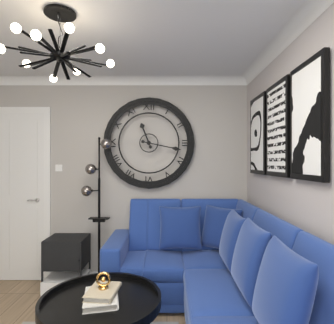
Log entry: 11,17
